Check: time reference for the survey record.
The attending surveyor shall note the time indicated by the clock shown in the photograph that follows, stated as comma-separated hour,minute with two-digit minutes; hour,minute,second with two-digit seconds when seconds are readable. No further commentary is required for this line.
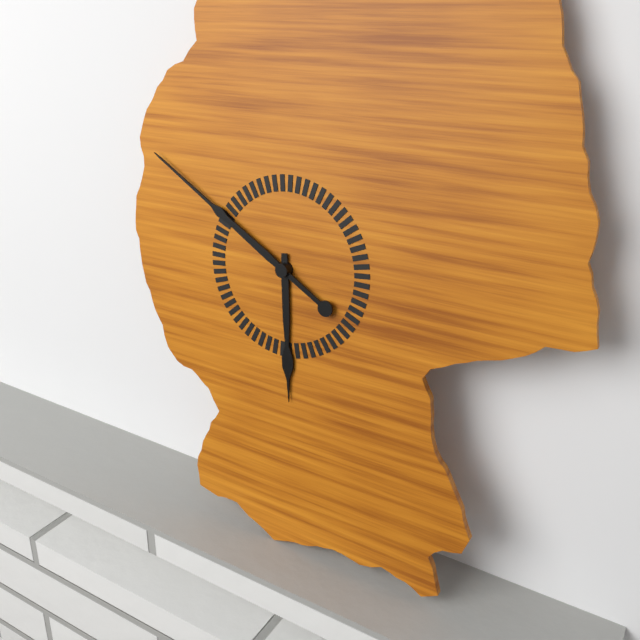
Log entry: 5,50
